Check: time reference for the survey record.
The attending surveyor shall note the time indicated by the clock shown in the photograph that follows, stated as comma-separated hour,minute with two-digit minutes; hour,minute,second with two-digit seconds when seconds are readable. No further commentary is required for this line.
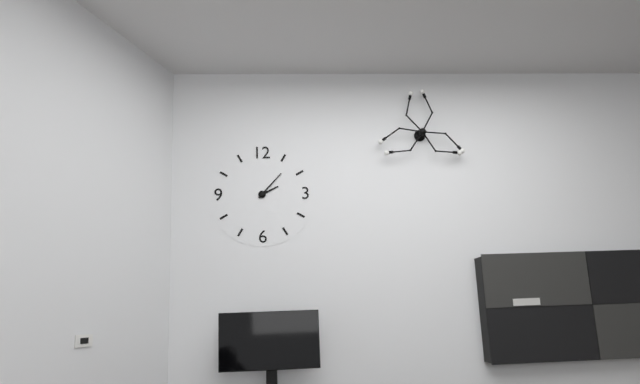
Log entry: 2,07
